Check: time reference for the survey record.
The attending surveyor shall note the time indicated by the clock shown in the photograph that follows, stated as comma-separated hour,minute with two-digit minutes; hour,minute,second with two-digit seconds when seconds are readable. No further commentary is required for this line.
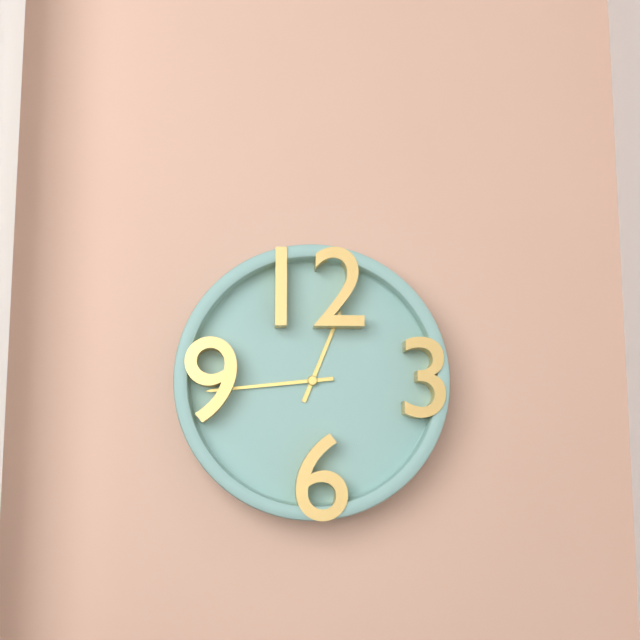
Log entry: 12,44
